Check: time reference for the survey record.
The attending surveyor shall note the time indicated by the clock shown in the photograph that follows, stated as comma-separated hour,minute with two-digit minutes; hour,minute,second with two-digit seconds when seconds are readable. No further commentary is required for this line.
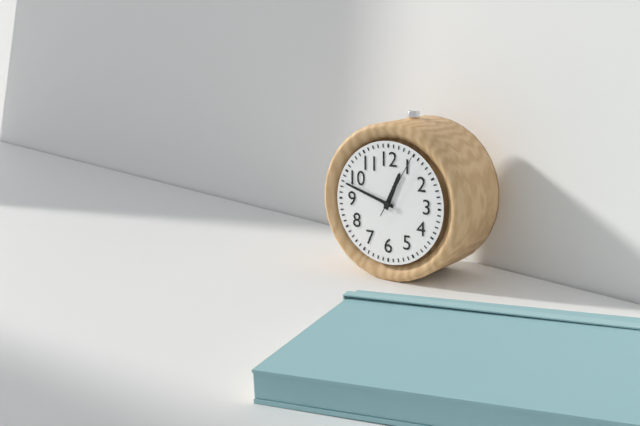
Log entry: 12,48,05
